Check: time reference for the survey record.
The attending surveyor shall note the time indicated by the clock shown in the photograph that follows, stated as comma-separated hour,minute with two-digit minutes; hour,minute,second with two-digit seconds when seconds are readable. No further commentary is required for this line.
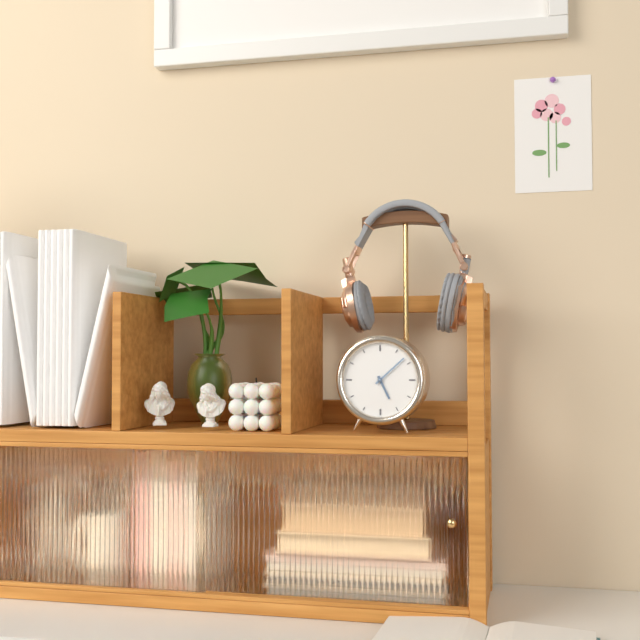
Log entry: 5,08
